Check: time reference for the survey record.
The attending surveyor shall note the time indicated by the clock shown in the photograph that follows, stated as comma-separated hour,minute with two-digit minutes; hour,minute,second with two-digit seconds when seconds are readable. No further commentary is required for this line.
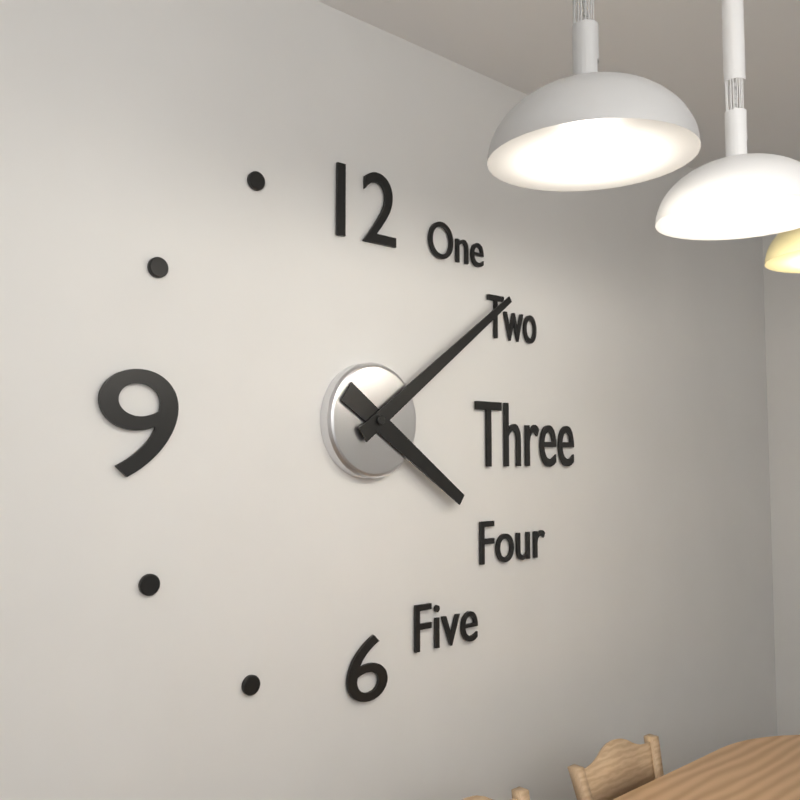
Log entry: 4,09
